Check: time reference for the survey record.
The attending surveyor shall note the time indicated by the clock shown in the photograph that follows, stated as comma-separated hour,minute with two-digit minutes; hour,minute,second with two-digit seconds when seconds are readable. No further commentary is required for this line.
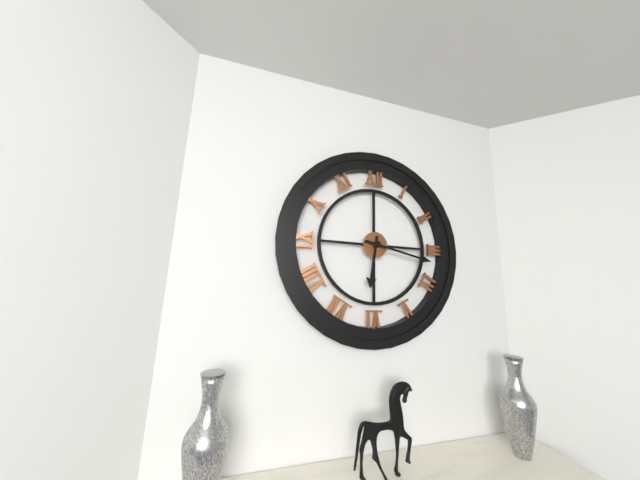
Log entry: 6,17
